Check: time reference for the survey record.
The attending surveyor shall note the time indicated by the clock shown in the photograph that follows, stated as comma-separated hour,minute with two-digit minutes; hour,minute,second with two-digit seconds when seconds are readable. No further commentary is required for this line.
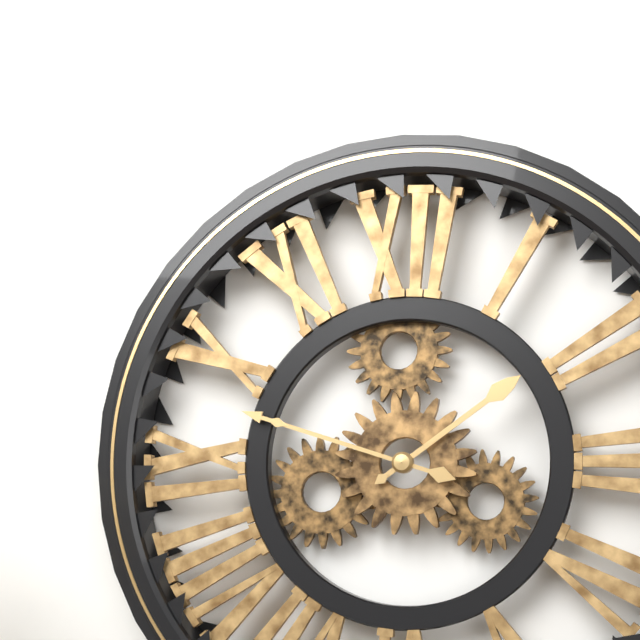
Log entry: 1,48
